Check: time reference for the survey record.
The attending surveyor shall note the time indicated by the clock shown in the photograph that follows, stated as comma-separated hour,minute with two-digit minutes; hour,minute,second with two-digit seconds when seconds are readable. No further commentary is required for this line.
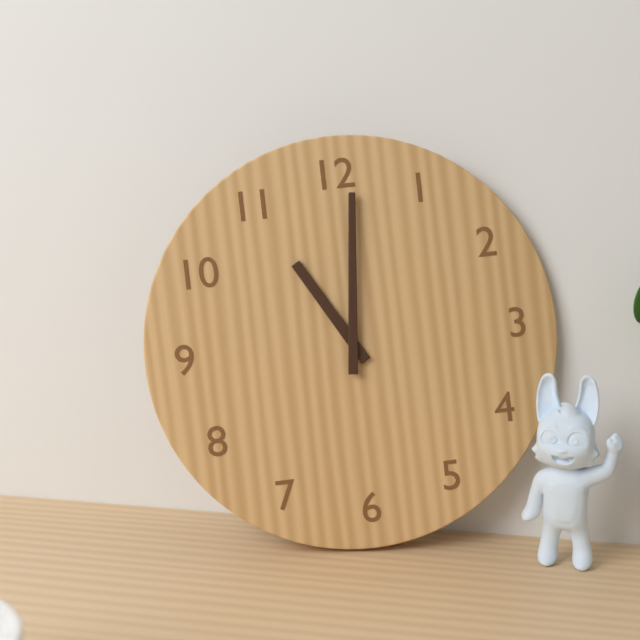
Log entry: 11,01
